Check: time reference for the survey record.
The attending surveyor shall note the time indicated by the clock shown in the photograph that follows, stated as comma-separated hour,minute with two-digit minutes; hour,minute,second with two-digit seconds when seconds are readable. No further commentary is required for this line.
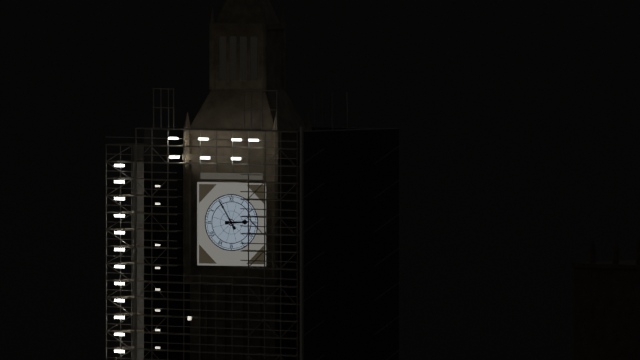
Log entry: 2,55
